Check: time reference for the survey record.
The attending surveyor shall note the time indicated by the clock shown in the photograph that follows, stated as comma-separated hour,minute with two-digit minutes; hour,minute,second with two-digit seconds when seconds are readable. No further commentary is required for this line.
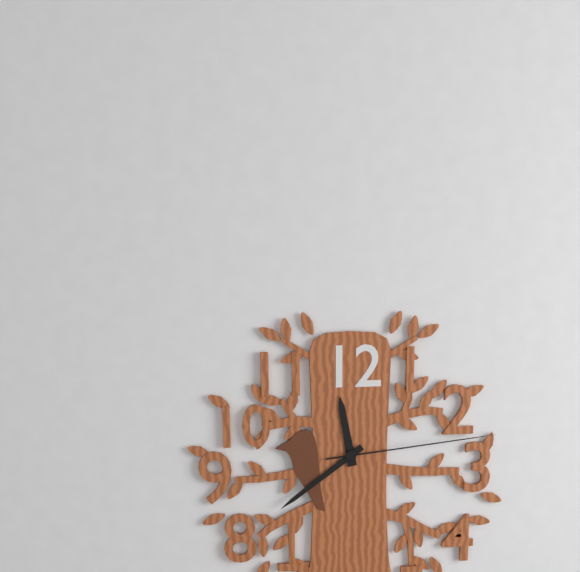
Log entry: 11,39,14
